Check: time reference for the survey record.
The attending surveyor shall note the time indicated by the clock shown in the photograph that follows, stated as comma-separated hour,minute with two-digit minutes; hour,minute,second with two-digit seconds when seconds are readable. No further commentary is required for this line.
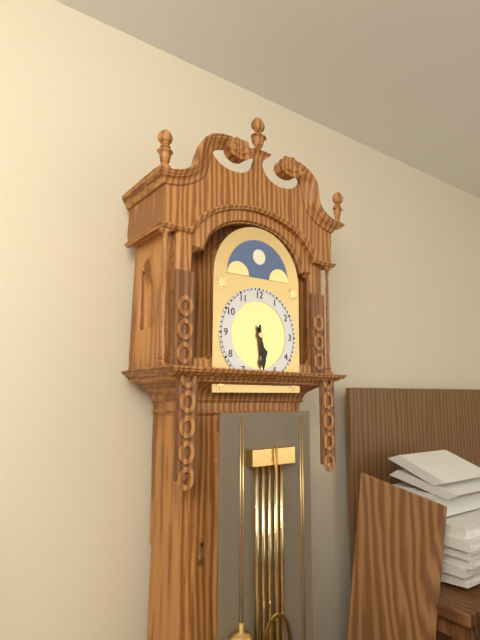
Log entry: 5,29
